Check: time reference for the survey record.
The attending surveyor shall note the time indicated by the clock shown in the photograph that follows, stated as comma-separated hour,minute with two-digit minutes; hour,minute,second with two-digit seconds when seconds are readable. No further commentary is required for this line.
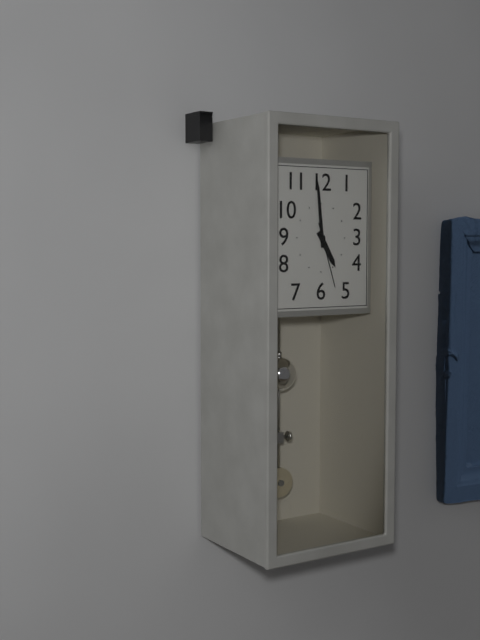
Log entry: 4,59,27
